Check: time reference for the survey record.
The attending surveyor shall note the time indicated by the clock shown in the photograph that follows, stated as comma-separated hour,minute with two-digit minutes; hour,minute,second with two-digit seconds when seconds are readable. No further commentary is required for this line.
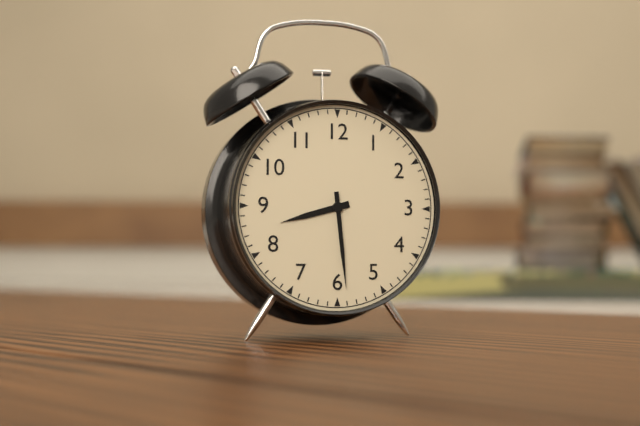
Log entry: 8,29
